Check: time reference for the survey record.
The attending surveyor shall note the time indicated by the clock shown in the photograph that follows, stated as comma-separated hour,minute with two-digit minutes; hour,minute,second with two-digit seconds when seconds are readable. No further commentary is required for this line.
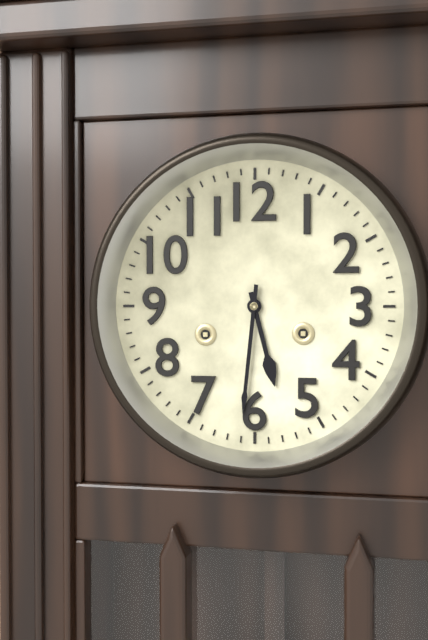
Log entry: 5,31
